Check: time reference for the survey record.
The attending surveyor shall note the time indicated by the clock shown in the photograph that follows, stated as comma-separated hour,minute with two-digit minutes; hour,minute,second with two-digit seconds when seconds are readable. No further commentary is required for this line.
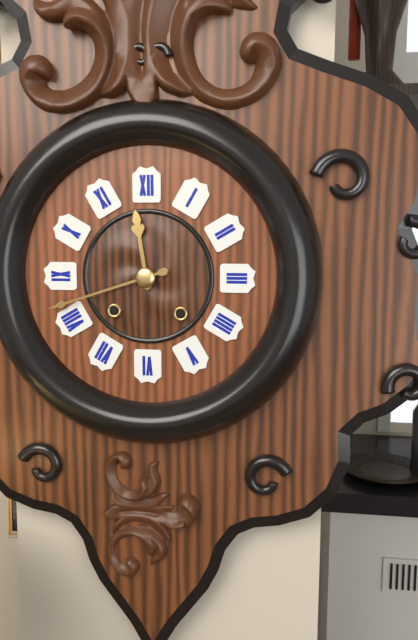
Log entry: 11,42
